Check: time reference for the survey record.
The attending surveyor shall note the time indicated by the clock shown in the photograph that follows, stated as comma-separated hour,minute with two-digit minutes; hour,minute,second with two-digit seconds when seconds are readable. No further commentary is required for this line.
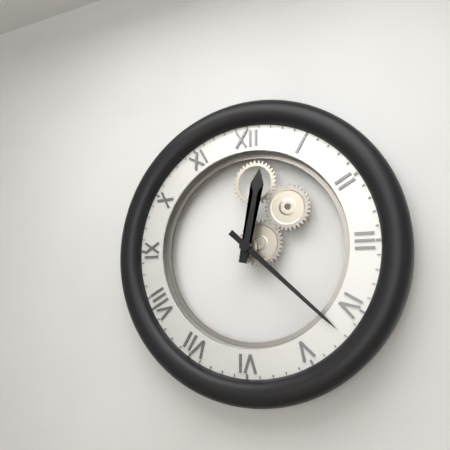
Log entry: 12,22
